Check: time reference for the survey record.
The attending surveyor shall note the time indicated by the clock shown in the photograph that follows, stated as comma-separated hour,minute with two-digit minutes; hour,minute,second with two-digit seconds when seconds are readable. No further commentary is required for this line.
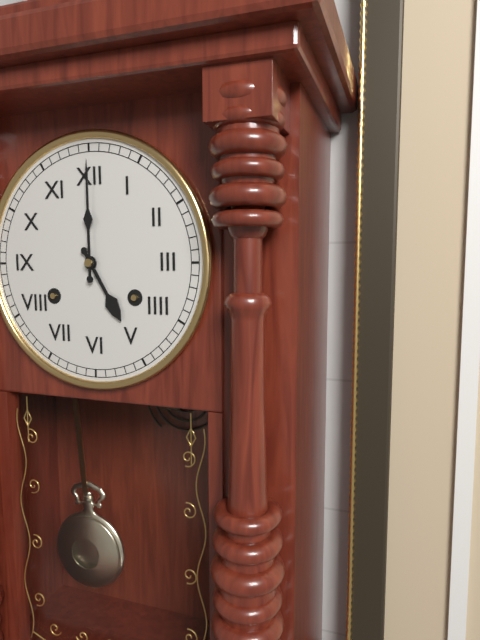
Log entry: 5,00
